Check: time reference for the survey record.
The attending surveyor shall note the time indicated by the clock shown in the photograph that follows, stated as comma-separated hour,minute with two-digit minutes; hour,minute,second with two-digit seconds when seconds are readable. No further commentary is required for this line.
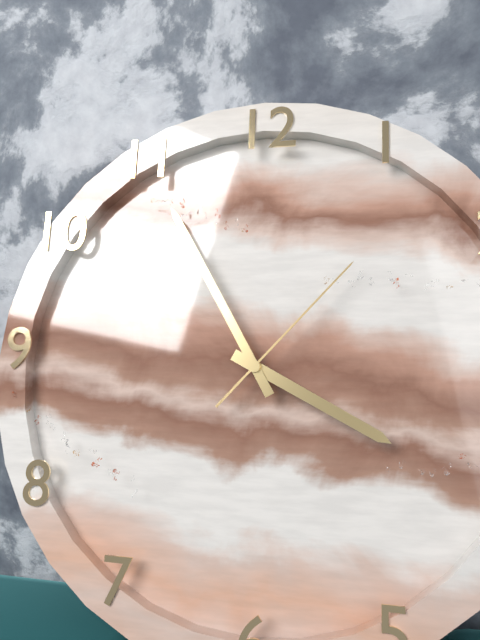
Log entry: 3,55,07
